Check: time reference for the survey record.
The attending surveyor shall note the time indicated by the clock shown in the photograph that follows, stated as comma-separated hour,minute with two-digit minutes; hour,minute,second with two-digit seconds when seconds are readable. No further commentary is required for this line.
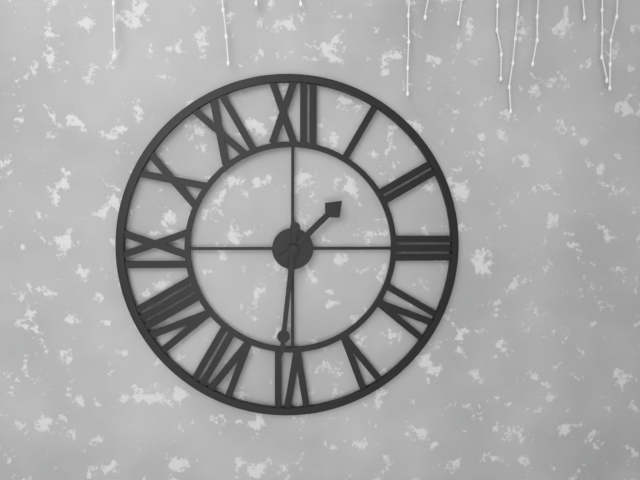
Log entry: 1,31
